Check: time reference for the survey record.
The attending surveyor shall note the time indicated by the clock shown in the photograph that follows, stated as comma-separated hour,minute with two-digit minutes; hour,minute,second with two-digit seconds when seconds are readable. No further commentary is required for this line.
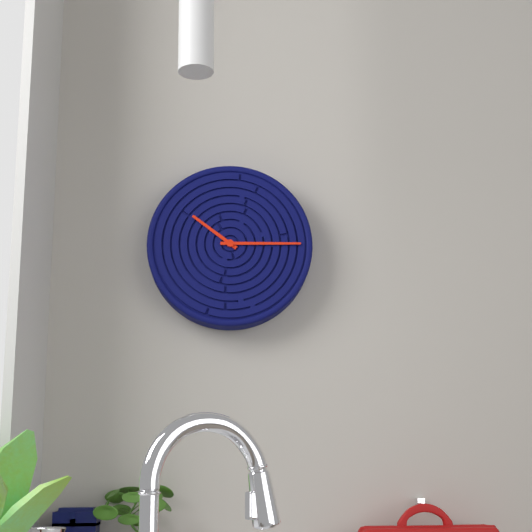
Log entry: 10,15
